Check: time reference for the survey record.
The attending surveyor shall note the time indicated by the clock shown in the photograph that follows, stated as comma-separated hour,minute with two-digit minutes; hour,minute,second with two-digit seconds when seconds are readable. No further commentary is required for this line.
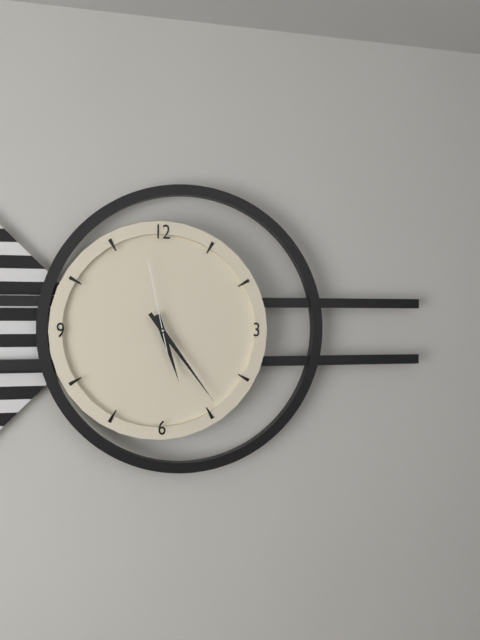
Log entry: 5,24,58
